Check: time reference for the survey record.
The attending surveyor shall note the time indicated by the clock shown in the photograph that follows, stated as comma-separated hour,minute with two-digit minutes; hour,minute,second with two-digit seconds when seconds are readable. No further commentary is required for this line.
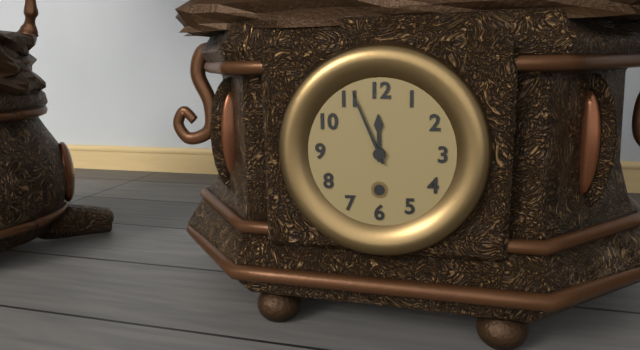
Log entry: 11,56
